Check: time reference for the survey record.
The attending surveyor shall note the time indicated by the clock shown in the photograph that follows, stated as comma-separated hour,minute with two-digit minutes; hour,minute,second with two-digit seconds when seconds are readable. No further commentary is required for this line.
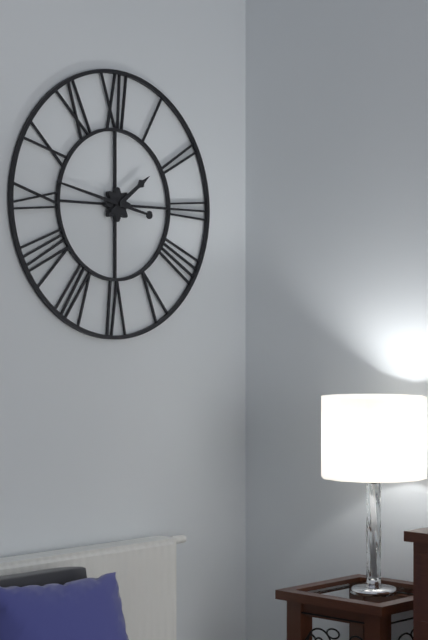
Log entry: 1,47
